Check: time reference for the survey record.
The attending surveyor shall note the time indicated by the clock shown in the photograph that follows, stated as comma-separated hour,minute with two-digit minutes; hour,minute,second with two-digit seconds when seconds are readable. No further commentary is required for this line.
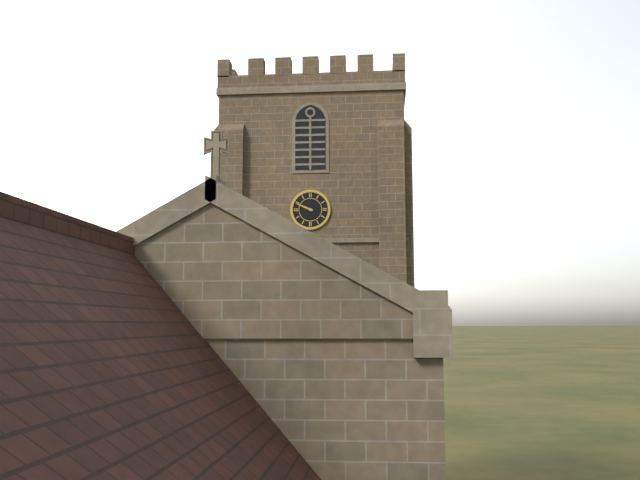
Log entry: 9,49
